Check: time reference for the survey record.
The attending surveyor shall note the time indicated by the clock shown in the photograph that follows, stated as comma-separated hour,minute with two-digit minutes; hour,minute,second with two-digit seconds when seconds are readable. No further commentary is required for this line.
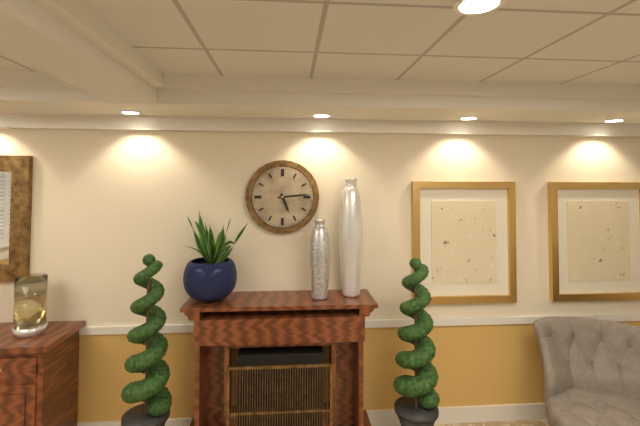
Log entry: 5,14
